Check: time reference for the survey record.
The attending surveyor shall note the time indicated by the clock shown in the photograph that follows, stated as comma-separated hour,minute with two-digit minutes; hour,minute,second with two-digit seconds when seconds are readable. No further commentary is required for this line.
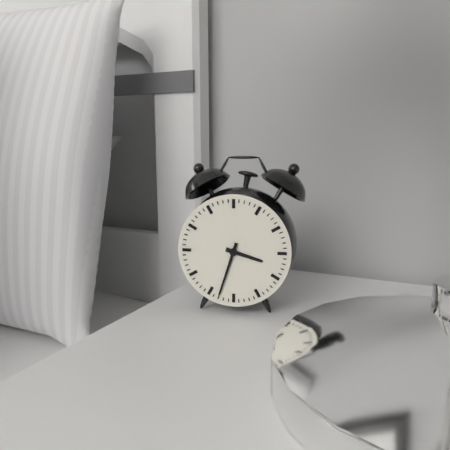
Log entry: 3,33
